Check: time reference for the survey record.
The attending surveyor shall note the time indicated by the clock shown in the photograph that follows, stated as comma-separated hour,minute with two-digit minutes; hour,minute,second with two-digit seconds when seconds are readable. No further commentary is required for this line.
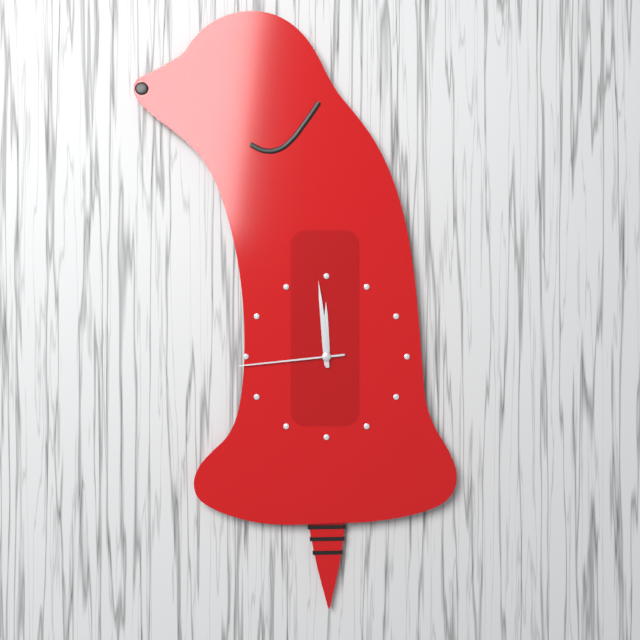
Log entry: 11,59,44
